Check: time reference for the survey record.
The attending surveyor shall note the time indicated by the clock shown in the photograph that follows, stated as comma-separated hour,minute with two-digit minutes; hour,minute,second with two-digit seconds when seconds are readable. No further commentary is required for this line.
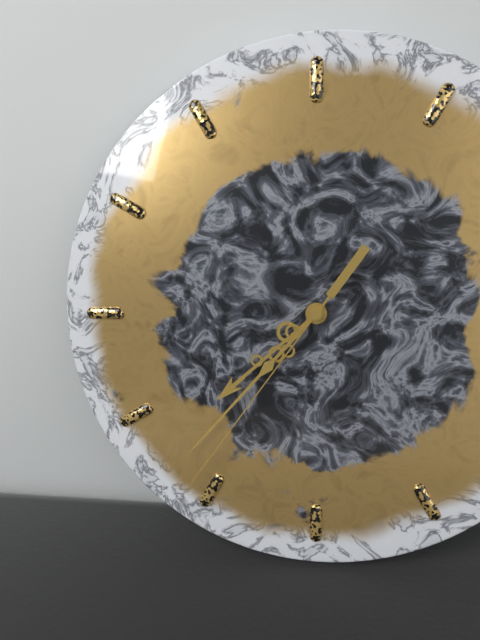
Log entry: 7,37,36
